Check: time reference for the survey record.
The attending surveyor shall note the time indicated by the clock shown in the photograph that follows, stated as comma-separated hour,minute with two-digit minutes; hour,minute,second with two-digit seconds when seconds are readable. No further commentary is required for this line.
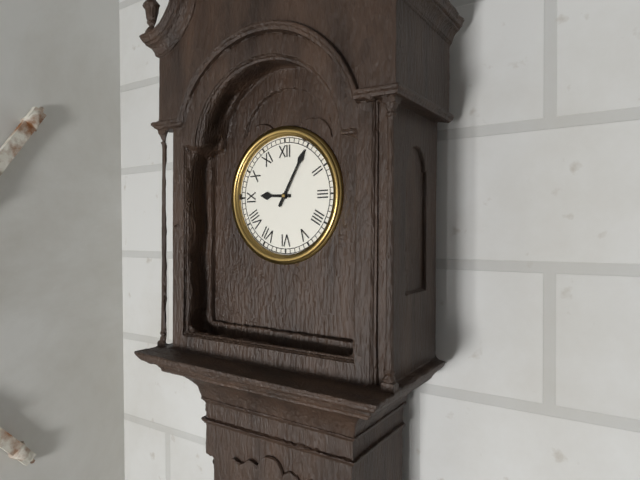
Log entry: 9,05
